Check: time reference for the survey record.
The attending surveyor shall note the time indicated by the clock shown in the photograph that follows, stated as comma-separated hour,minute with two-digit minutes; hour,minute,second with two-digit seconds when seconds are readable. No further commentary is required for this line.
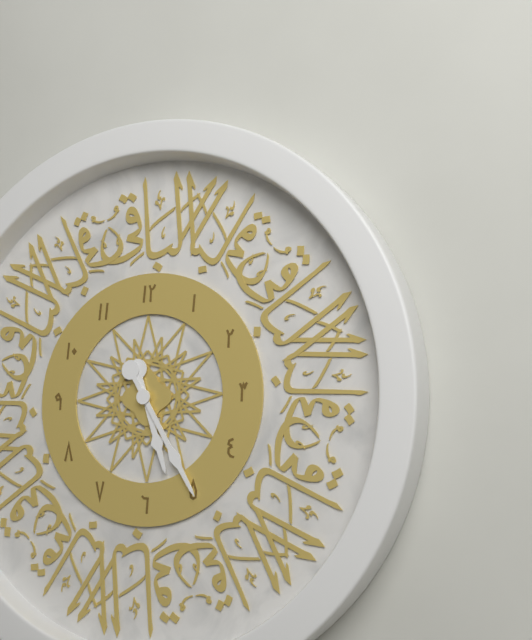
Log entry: 5,25
